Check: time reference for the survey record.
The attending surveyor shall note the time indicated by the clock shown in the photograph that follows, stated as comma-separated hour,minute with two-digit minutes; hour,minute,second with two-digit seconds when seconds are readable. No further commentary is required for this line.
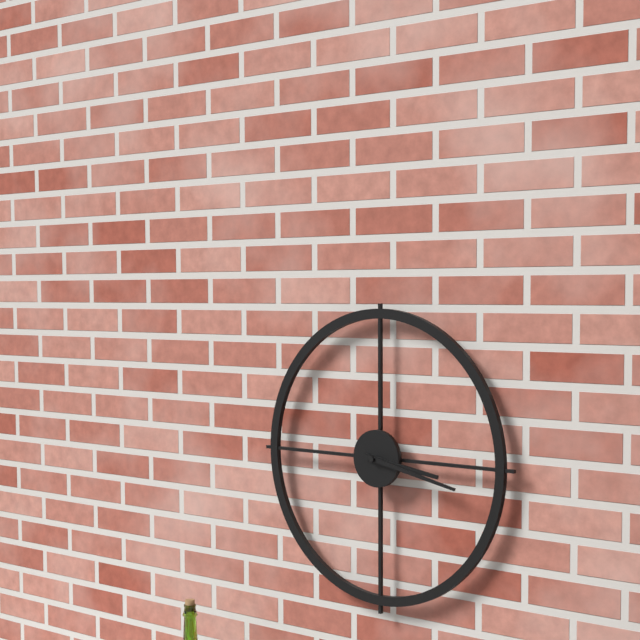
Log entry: 3,17
